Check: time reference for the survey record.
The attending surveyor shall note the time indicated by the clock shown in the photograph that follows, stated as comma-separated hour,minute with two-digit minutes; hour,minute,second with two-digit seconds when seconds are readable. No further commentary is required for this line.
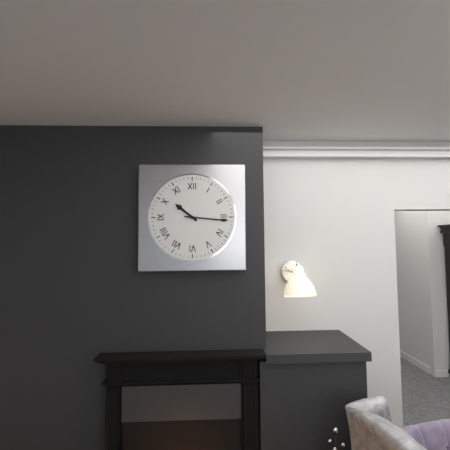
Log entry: 10,16
